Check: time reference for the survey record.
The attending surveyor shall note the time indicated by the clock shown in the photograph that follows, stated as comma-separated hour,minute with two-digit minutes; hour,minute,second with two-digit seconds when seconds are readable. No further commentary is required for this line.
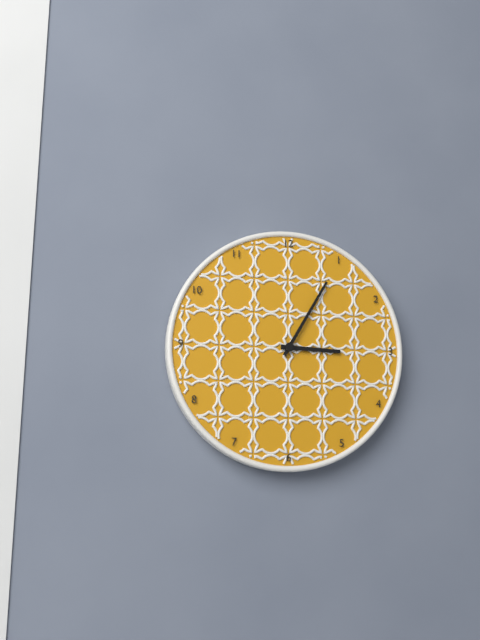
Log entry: 3,05
